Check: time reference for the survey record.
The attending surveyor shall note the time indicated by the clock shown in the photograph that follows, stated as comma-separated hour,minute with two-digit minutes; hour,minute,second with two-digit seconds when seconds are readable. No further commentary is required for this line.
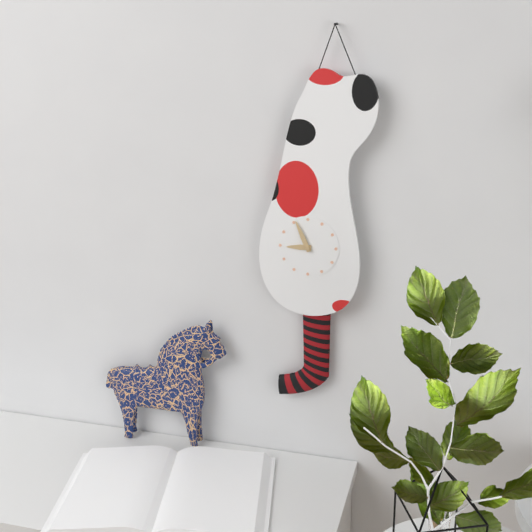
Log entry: 8,56
